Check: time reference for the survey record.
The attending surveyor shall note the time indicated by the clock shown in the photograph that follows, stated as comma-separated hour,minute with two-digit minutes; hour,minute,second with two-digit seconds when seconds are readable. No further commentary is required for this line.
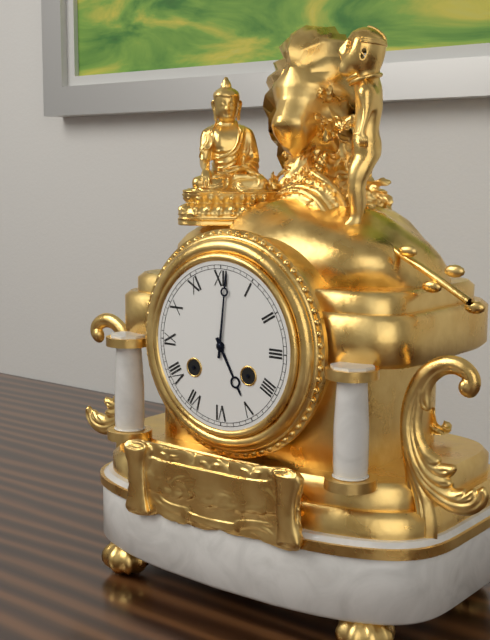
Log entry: 5,01
